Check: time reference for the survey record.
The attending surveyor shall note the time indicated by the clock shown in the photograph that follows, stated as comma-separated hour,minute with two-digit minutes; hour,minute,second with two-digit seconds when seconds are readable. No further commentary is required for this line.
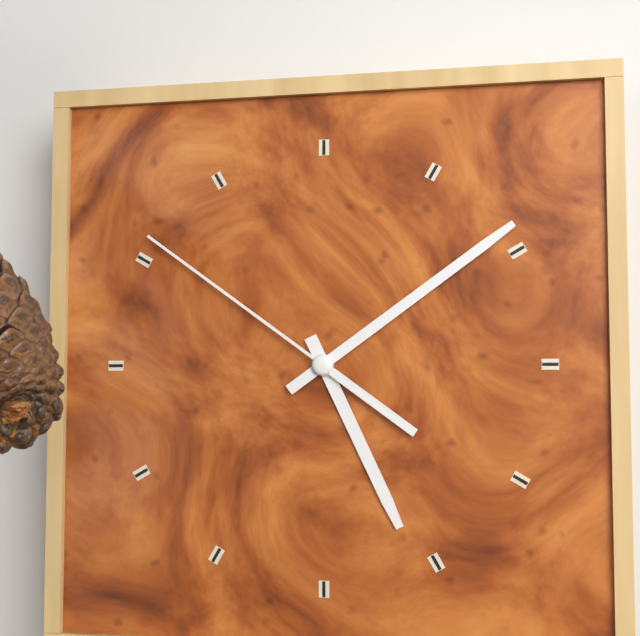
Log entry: 5,09,51
